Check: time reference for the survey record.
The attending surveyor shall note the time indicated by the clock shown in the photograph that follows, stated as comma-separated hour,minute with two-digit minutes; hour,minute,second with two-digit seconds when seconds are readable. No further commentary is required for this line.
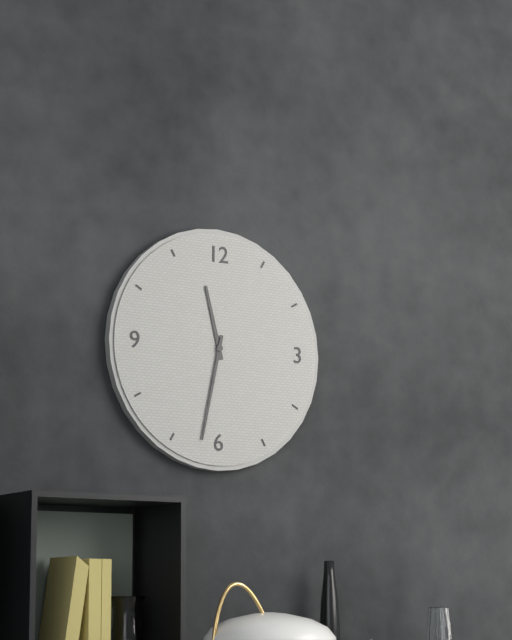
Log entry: 11,32
